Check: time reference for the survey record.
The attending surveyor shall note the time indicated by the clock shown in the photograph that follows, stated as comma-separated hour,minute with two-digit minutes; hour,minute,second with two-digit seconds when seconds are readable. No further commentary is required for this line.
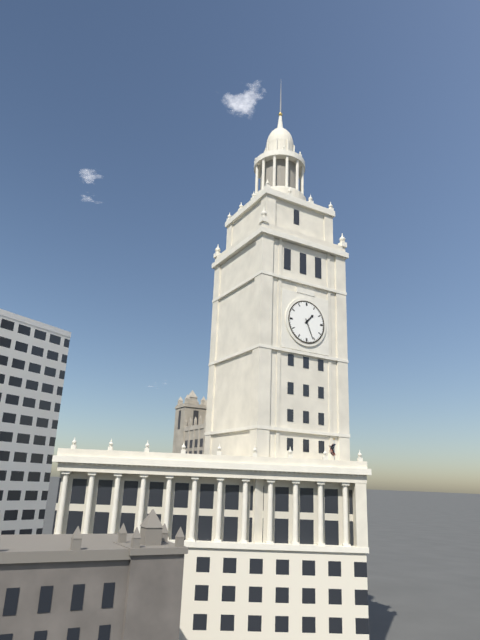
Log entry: 1,26
